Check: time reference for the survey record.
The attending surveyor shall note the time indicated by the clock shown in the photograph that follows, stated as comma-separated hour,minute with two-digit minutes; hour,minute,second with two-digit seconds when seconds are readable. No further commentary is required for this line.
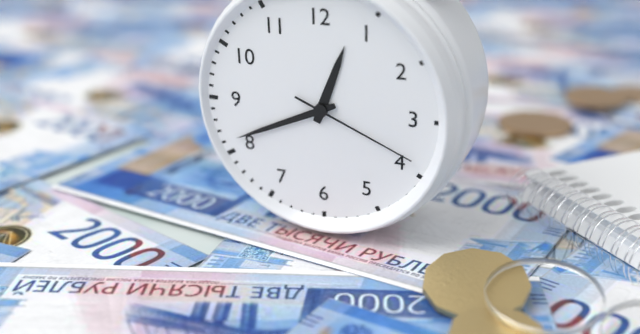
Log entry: 12,41,19
